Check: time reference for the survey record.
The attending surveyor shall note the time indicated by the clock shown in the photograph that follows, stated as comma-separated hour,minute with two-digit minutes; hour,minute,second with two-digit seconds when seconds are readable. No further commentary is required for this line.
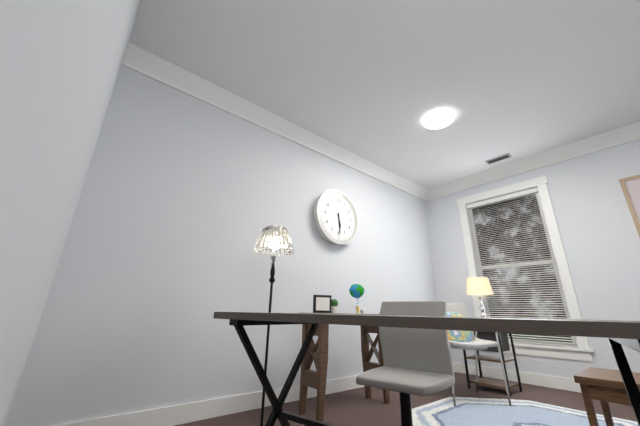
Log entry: 5,29
